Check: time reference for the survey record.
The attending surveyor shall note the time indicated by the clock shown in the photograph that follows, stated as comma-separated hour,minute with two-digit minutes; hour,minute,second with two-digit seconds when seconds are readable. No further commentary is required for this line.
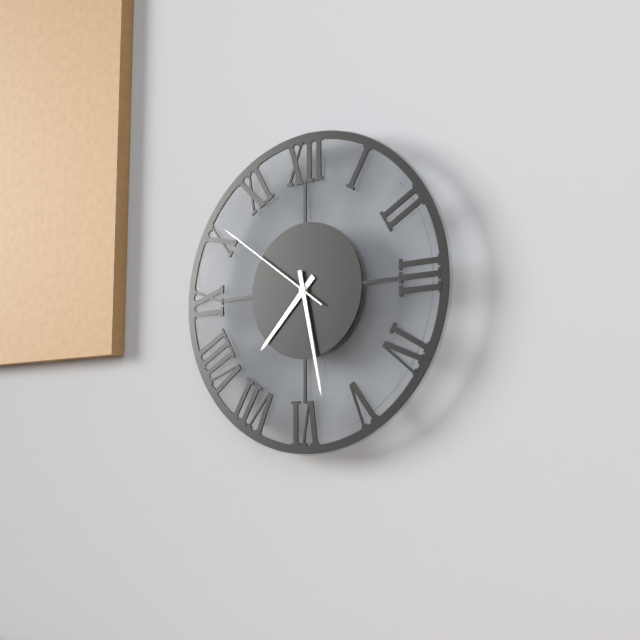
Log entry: 7,28,51
